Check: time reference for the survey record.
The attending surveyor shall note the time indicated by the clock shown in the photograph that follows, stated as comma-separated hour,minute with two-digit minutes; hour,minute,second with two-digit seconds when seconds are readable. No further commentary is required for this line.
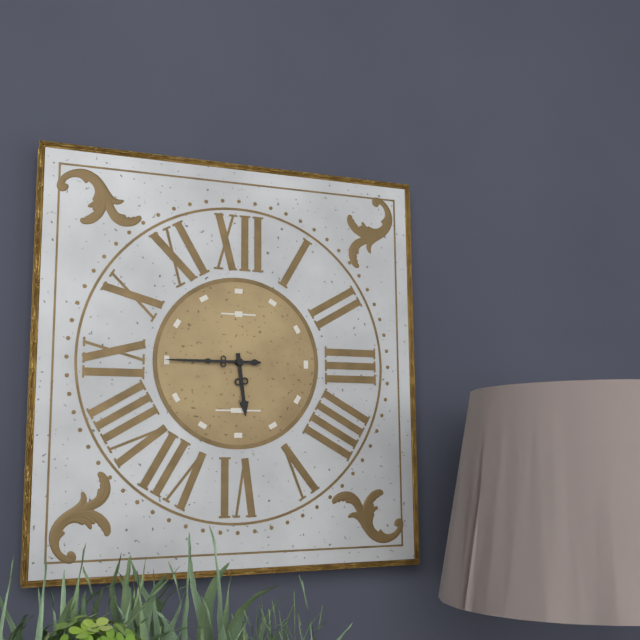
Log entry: 5,45
